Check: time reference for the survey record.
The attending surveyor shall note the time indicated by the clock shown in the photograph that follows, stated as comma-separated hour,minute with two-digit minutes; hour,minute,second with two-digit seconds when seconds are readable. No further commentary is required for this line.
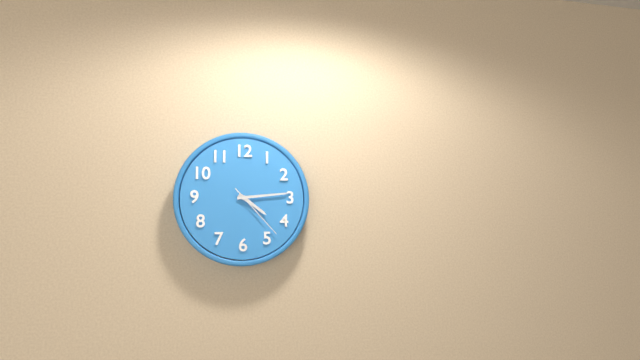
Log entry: 4,14,23
